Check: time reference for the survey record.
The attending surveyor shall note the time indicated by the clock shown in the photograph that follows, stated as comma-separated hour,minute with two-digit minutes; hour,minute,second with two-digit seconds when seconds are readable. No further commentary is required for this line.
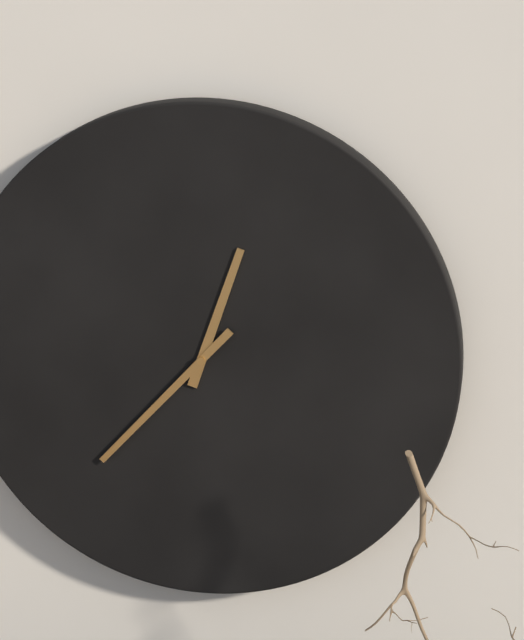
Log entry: 12,37
